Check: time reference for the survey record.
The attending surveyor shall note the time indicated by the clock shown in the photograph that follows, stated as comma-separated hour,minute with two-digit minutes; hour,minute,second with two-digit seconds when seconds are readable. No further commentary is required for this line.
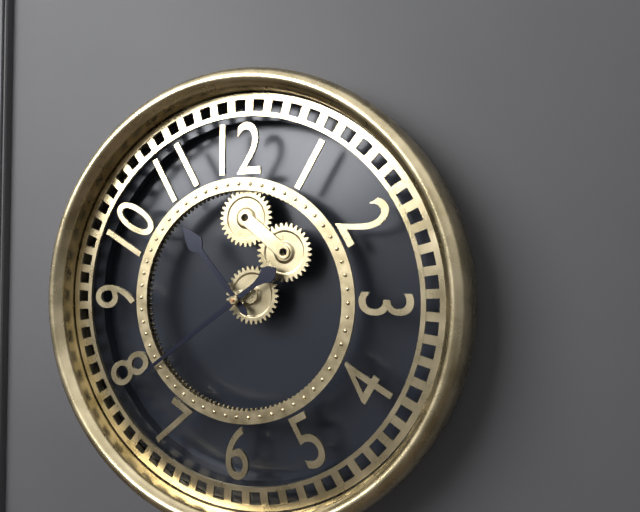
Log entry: 10,39
